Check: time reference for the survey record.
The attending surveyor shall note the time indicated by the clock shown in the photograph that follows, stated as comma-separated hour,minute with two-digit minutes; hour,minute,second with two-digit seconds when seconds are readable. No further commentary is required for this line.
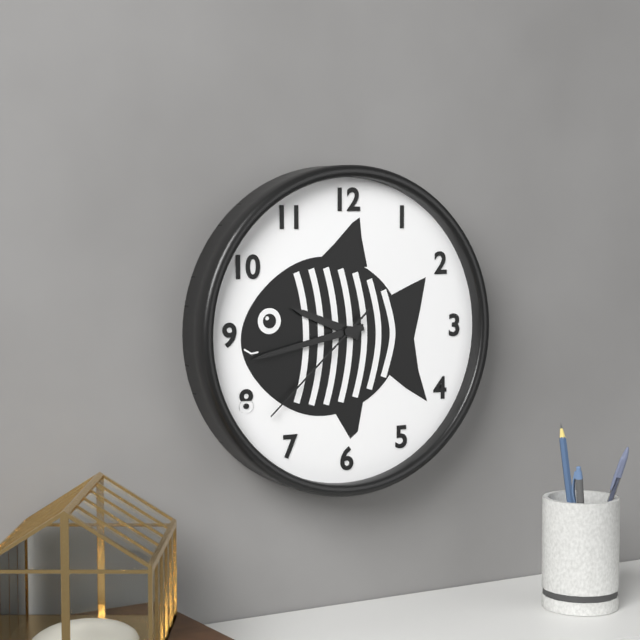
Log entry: 9,43,38
